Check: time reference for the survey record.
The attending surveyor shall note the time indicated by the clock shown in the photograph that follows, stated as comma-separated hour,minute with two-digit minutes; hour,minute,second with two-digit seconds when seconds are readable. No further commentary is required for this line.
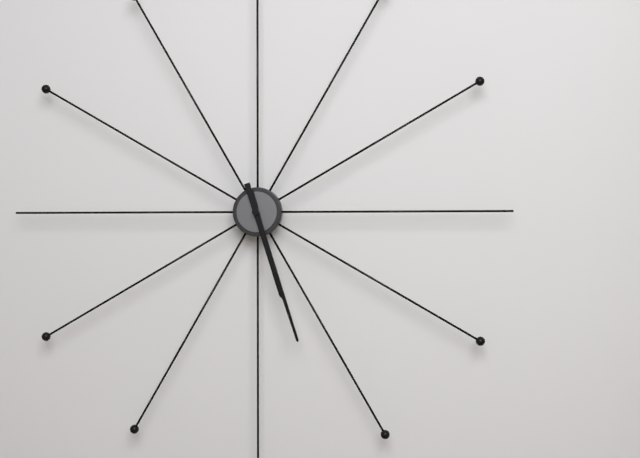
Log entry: 5,27
